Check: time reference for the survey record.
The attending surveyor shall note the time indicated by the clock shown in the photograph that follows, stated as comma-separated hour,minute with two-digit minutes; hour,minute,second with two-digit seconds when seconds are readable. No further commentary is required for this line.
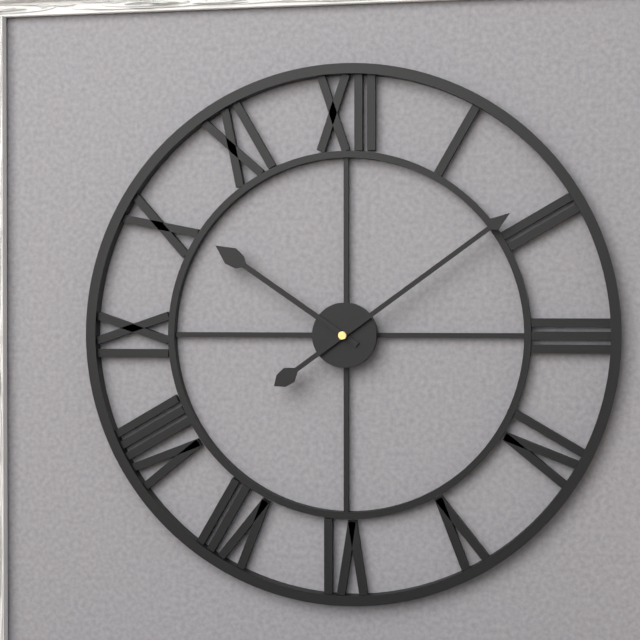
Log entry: 10,09
